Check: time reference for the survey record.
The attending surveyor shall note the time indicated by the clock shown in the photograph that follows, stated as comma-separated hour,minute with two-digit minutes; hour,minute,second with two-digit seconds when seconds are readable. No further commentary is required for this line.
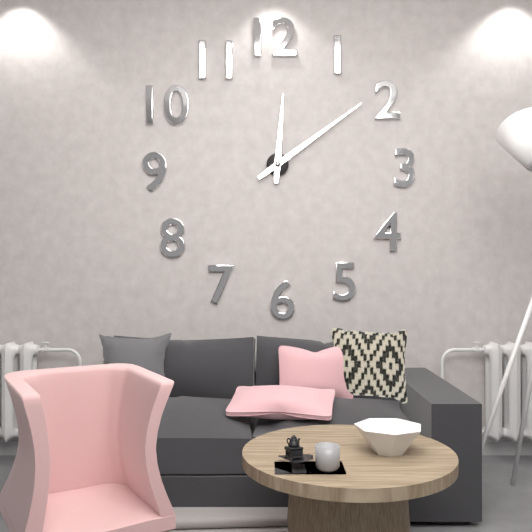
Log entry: 12,09
